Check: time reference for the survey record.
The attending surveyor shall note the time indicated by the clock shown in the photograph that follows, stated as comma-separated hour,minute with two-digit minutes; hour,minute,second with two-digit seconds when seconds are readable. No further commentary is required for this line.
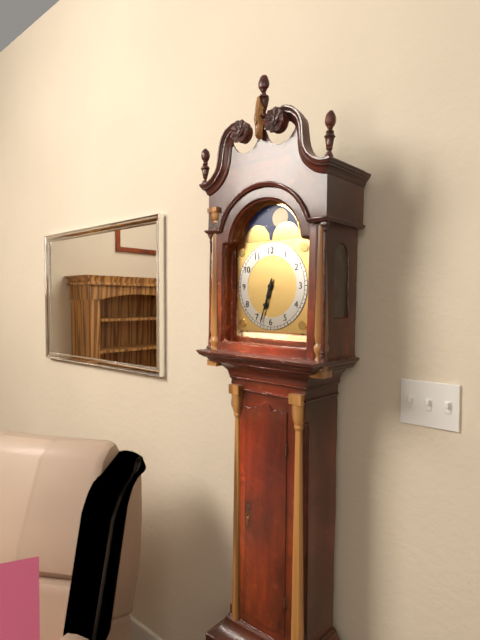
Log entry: 6,33
